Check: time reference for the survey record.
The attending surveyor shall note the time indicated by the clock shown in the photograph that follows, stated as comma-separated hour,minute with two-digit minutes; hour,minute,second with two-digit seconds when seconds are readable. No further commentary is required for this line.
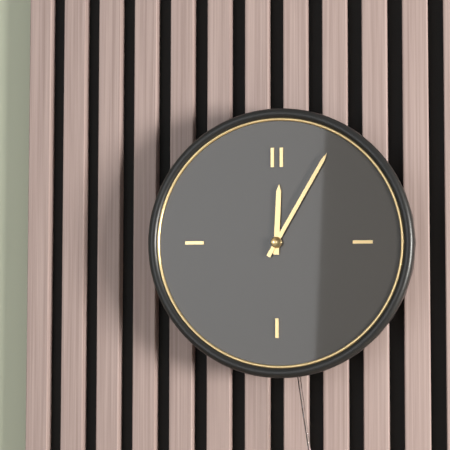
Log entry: 12,05
